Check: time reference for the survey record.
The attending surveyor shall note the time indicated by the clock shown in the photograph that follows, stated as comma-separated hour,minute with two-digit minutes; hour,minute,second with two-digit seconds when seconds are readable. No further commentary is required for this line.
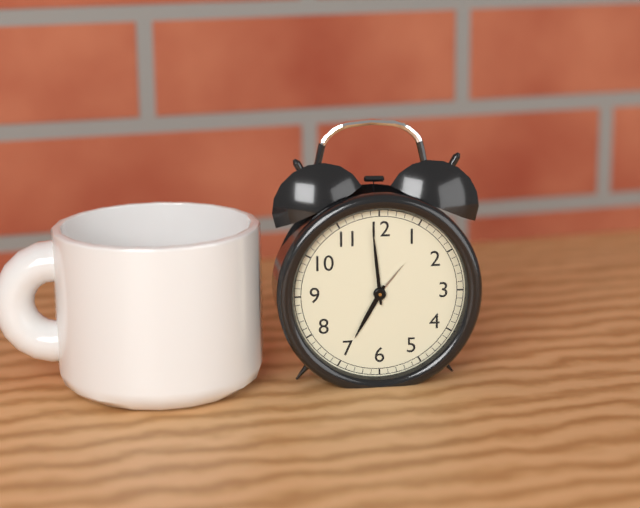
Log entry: 6,59
